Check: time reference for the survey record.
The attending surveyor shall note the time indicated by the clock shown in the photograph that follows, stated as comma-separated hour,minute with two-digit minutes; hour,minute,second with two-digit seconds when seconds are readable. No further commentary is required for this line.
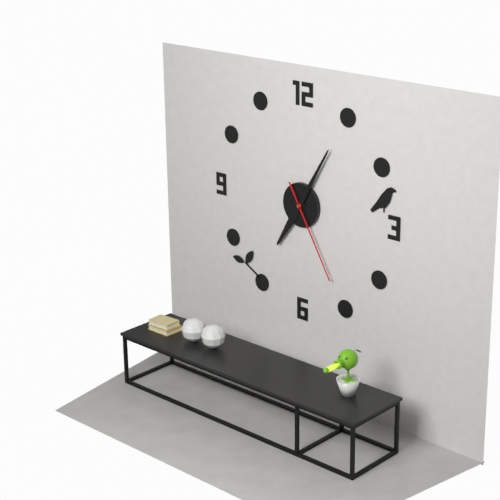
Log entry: 7,05,25
